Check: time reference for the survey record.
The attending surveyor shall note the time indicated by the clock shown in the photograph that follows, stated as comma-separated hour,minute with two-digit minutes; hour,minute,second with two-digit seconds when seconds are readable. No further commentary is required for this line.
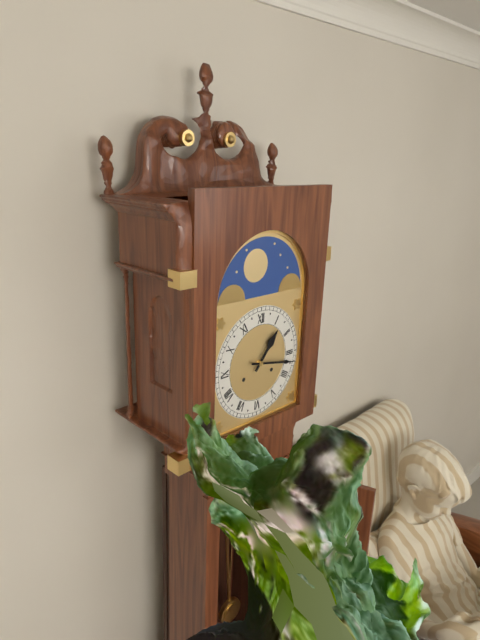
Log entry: 1,17
